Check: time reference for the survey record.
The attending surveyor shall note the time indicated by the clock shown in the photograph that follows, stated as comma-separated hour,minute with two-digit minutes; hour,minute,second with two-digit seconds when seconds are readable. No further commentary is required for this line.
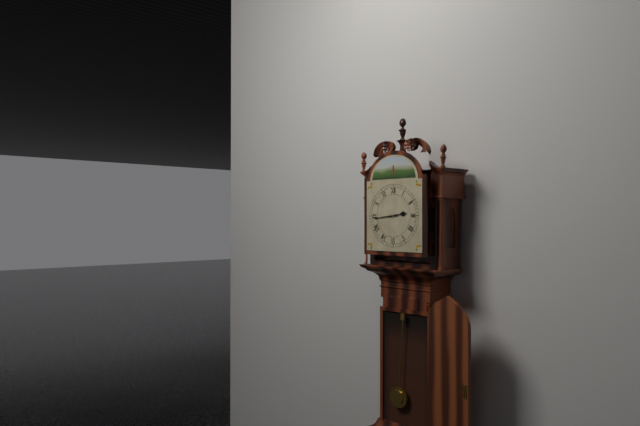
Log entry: 2,44
